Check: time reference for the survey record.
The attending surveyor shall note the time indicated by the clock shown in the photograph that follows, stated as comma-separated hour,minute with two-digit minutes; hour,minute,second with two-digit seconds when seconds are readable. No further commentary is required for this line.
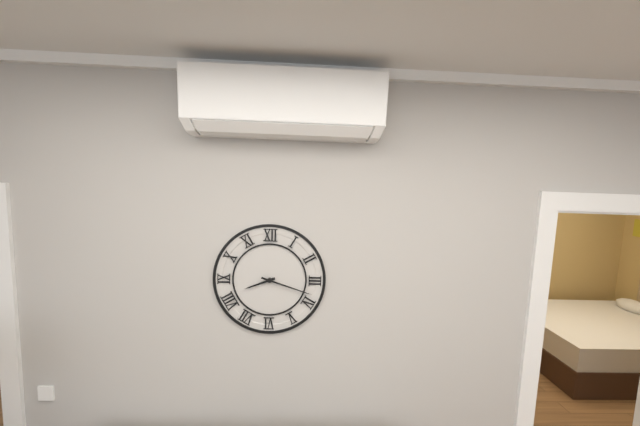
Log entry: 8,18
